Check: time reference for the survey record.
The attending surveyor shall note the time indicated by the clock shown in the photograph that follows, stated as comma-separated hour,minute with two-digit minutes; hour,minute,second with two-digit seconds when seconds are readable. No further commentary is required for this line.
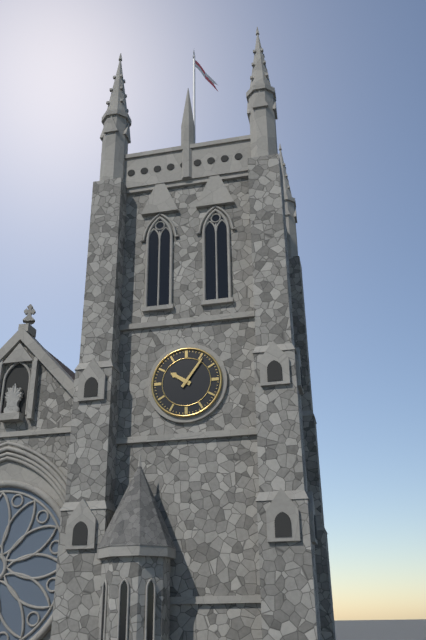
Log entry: 10,06
